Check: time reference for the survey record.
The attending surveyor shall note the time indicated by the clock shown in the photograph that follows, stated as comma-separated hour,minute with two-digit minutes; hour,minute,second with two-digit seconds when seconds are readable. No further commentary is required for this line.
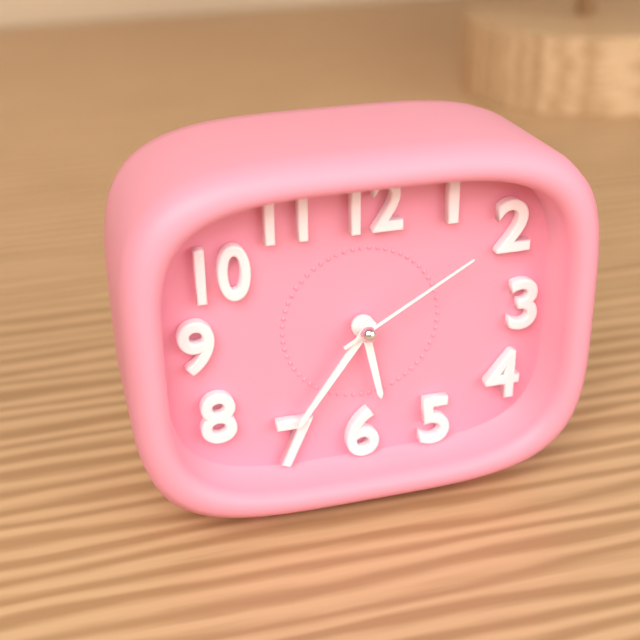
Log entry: 5,36,10
